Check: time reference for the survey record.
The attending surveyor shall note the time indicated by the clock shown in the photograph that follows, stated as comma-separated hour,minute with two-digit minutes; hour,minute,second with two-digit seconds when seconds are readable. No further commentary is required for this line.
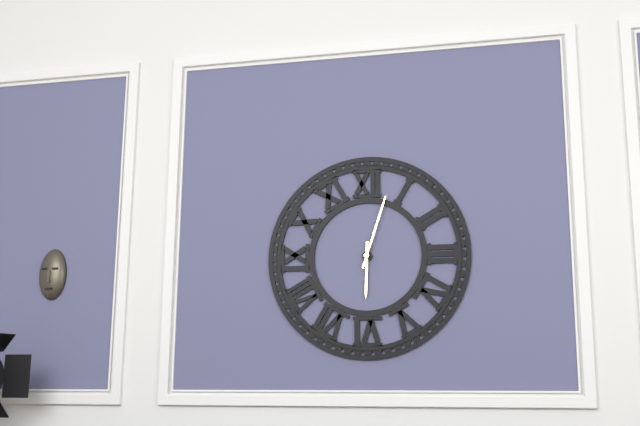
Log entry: 6,03
